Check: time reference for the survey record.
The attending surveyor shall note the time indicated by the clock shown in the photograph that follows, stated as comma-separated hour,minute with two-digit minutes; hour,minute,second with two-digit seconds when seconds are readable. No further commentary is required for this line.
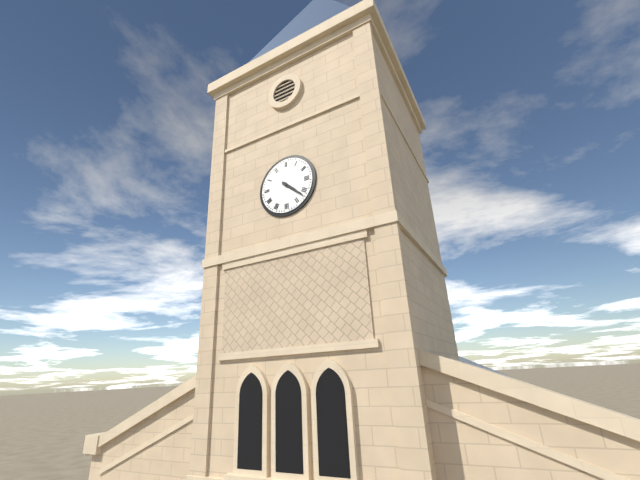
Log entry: 4,22
